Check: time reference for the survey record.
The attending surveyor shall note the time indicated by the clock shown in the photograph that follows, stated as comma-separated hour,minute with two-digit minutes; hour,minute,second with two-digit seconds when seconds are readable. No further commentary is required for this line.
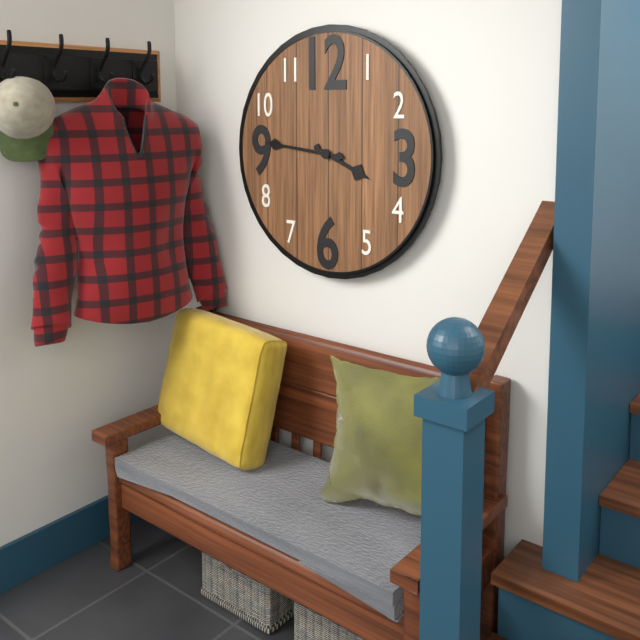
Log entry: 3,46
